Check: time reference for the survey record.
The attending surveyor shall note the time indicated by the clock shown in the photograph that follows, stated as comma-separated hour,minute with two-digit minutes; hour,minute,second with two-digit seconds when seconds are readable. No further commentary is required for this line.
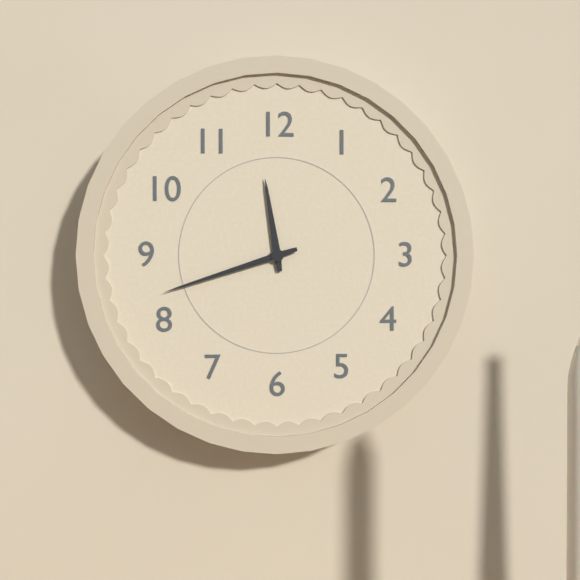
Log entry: 11,42
